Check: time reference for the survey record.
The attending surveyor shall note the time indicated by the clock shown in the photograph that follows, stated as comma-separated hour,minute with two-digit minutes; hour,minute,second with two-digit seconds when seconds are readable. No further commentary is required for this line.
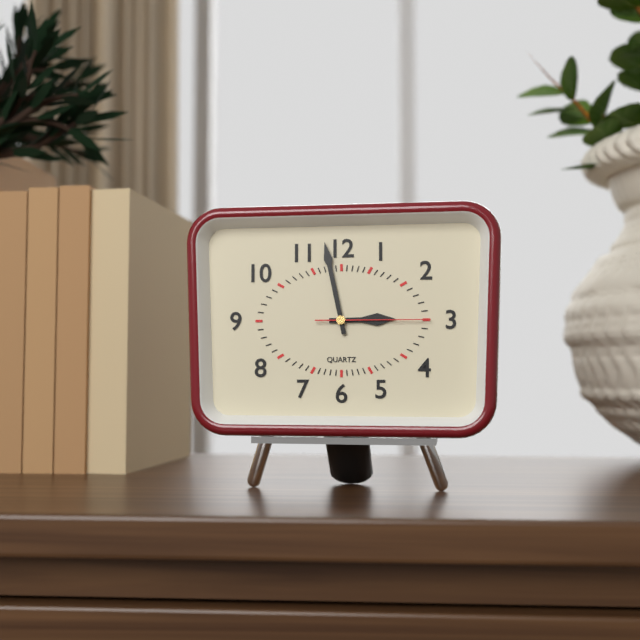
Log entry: 2,58,15
